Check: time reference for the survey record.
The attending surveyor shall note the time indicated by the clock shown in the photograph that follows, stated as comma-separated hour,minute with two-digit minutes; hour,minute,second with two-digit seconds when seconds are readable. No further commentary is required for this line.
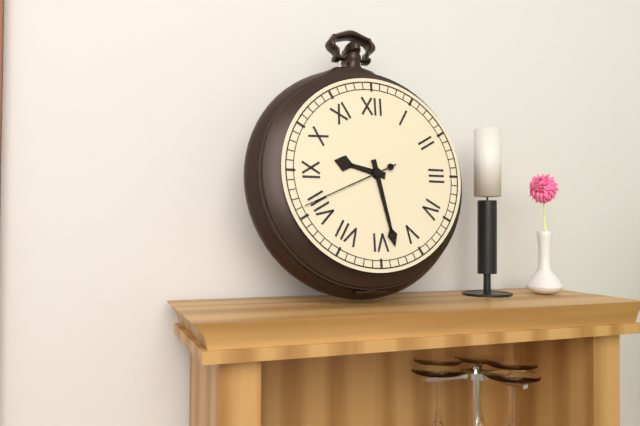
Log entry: 9,28,41
